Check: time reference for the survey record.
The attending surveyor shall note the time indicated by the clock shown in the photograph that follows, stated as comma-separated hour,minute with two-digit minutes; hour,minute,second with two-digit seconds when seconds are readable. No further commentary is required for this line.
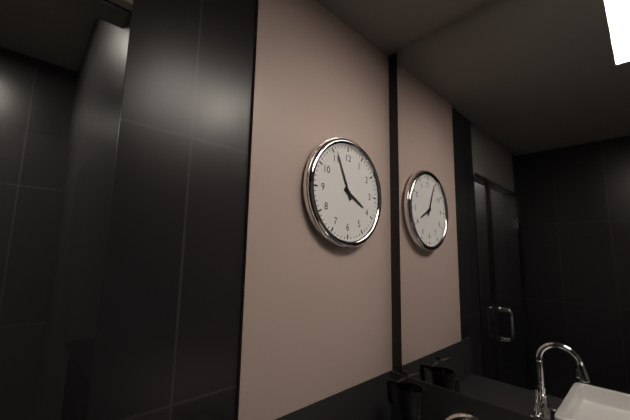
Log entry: 3,56
